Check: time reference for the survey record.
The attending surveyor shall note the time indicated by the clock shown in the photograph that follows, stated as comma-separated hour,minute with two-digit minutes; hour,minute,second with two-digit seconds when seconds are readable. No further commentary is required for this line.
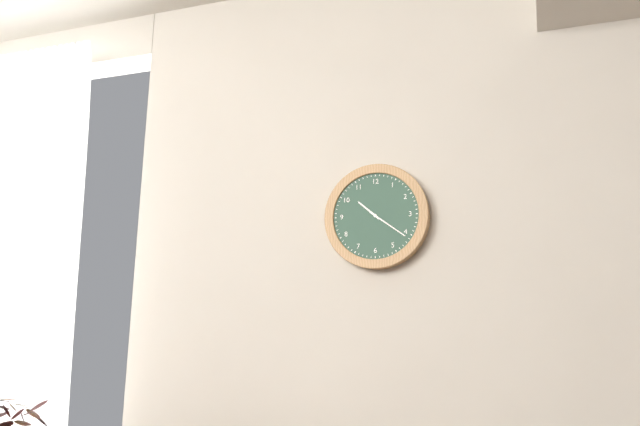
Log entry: 10,21
